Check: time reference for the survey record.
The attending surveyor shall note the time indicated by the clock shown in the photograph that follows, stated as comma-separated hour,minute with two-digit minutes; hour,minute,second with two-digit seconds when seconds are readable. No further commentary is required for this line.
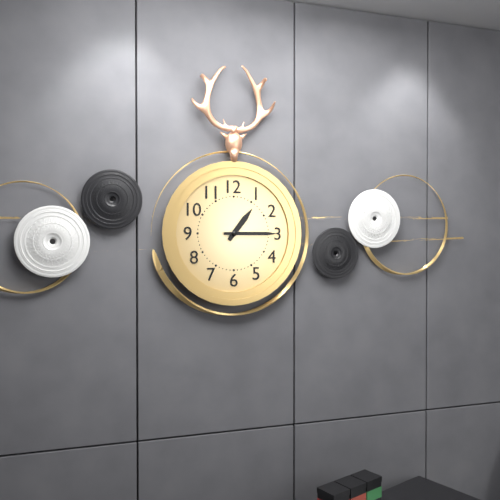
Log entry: 1,15
